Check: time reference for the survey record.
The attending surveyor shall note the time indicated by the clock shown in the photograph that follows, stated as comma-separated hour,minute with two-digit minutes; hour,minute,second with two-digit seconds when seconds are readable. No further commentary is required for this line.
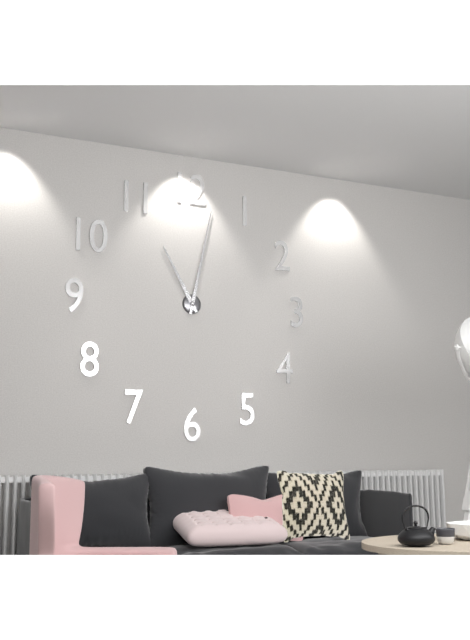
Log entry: 11,02
